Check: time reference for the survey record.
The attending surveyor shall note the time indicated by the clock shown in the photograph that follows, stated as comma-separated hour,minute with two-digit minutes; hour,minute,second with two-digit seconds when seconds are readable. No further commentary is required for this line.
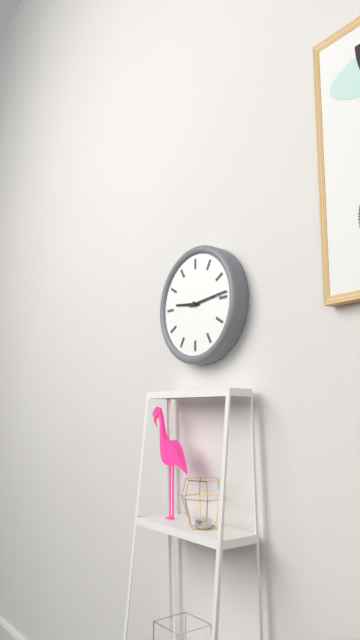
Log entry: 9,14
